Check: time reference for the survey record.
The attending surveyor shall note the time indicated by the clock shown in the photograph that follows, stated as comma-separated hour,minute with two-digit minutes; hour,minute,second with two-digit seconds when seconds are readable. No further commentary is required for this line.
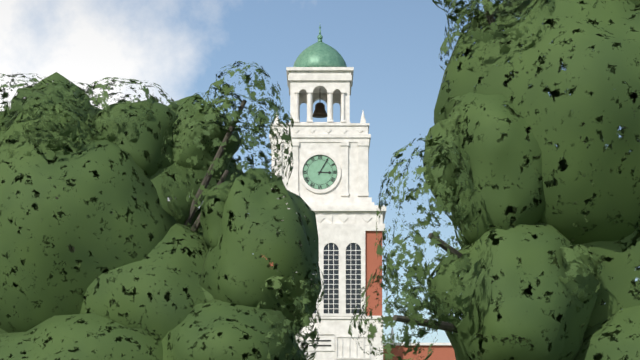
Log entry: 3,05
